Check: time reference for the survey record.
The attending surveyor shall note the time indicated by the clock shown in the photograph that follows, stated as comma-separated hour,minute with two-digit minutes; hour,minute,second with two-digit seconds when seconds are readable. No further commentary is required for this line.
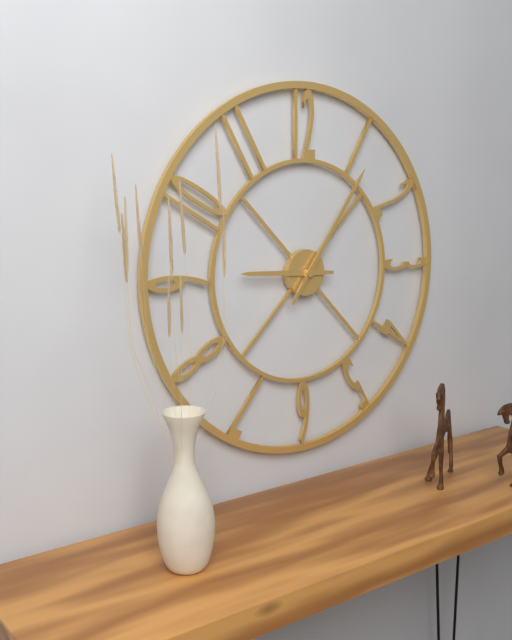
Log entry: 9,06
